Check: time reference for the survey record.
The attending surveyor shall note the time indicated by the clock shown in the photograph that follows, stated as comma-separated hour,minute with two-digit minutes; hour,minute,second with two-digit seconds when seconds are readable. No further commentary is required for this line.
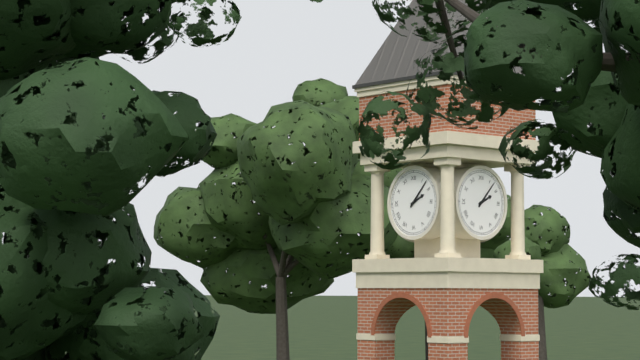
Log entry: 2,07
